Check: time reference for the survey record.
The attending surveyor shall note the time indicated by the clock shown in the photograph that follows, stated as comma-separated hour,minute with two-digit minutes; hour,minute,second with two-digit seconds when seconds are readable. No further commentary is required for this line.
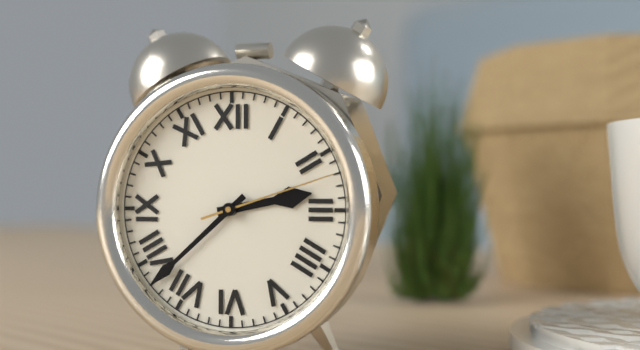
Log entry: 2,38,12
